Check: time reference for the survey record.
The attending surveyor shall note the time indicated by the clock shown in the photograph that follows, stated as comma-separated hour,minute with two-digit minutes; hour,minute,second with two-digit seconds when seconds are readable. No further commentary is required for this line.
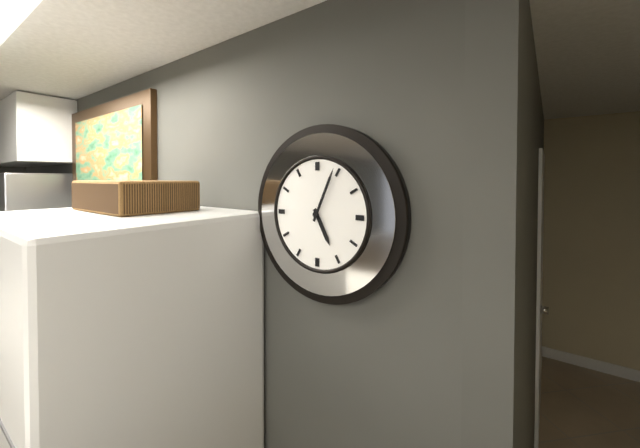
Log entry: 5,04
